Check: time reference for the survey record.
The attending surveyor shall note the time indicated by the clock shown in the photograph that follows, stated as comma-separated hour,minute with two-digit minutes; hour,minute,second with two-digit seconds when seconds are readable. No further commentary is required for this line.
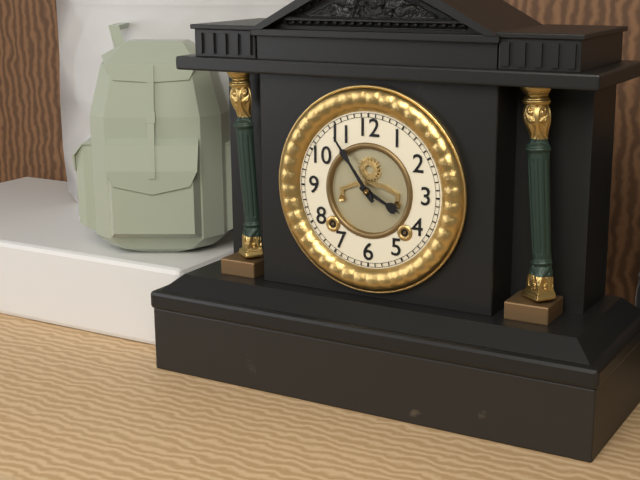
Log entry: 3,54
